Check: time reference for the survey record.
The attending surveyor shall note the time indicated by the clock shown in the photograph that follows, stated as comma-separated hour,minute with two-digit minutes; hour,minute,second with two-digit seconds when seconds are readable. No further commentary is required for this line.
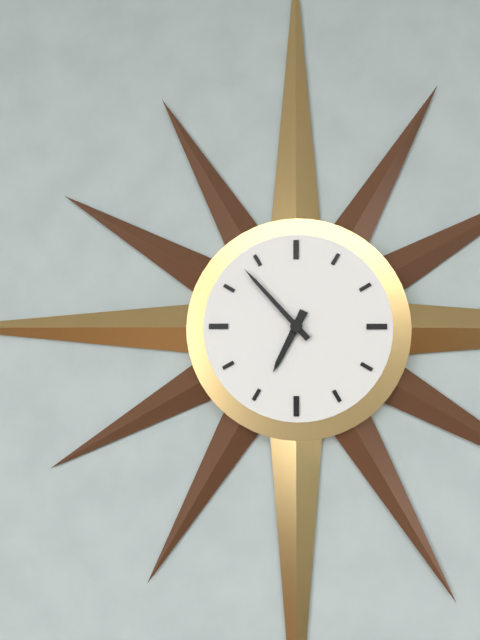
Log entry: 6,53
